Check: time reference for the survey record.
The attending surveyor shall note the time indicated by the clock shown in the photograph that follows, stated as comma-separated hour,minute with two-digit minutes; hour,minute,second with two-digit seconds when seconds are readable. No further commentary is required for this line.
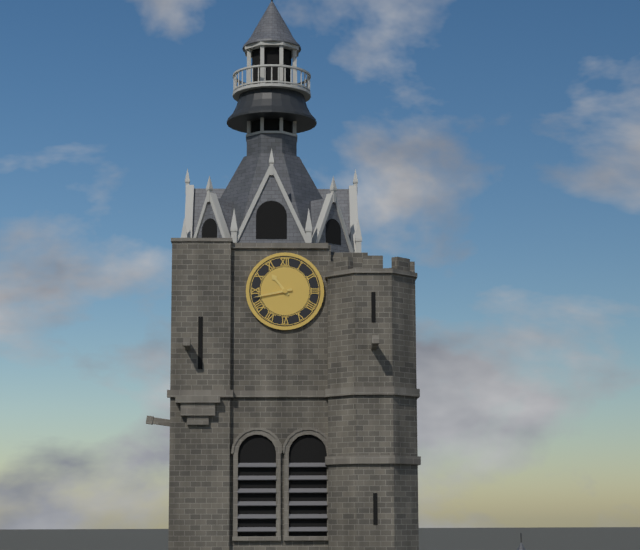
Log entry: 10,43
